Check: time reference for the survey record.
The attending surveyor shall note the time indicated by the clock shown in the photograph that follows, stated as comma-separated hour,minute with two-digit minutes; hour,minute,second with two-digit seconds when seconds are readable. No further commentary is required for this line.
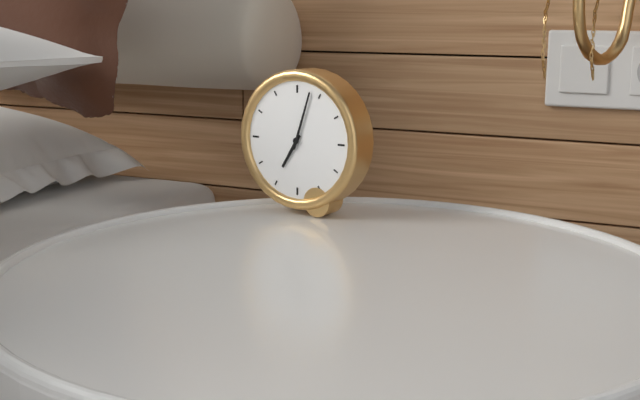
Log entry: 7,03
